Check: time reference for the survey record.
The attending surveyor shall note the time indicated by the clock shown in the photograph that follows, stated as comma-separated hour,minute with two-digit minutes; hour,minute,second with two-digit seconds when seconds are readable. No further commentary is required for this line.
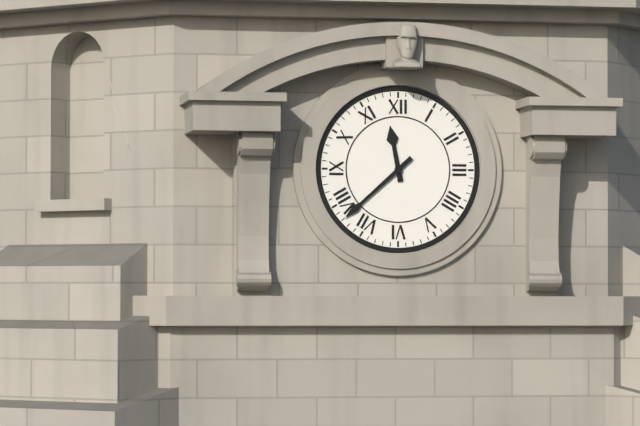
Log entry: 11,38
